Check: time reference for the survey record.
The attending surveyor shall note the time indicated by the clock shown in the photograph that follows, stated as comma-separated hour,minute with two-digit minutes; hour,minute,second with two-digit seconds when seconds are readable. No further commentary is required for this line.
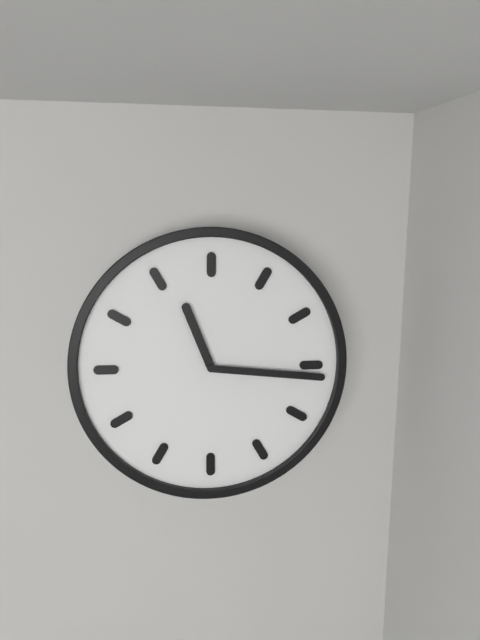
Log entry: 11,16
